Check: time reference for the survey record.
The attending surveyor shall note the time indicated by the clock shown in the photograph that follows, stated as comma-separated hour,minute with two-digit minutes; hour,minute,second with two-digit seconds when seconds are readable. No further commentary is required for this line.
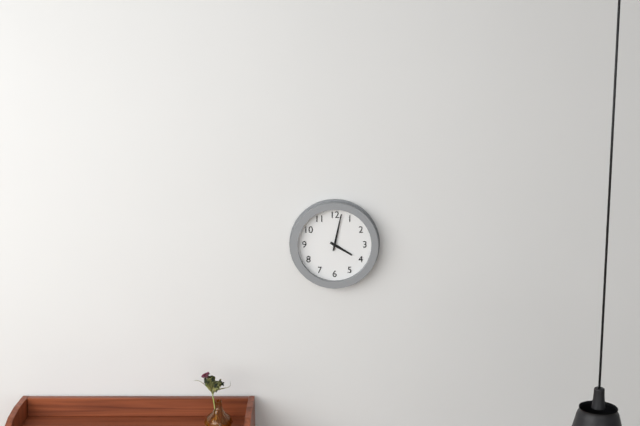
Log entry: 4,02
